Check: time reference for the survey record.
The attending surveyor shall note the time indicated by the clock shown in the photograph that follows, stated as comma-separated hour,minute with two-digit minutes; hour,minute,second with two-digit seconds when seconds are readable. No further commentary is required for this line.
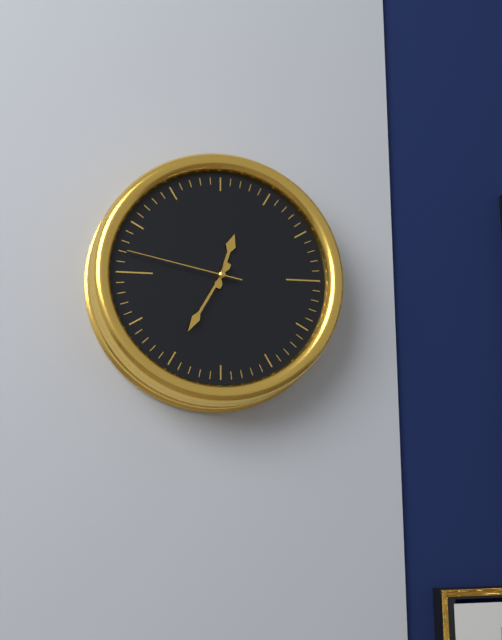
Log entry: 12,35,47
